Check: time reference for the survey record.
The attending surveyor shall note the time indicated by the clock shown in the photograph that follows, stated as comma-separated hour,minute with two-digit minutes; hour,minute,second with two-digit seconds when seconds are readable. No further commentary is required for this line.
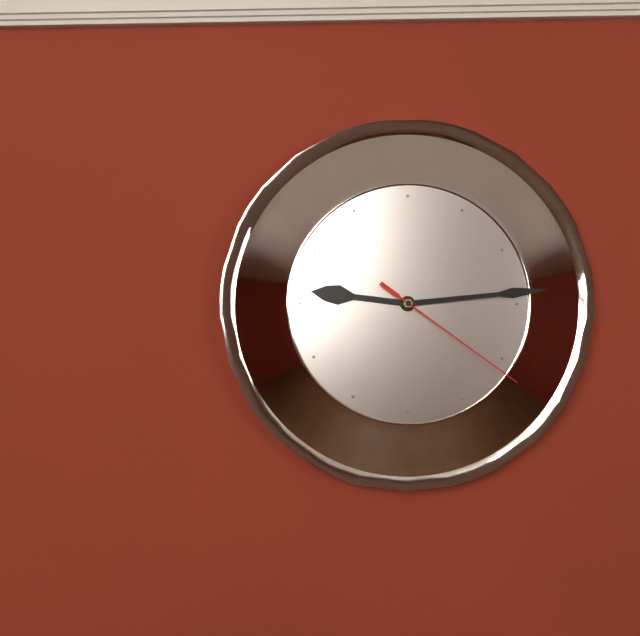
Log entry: 9,14,21
